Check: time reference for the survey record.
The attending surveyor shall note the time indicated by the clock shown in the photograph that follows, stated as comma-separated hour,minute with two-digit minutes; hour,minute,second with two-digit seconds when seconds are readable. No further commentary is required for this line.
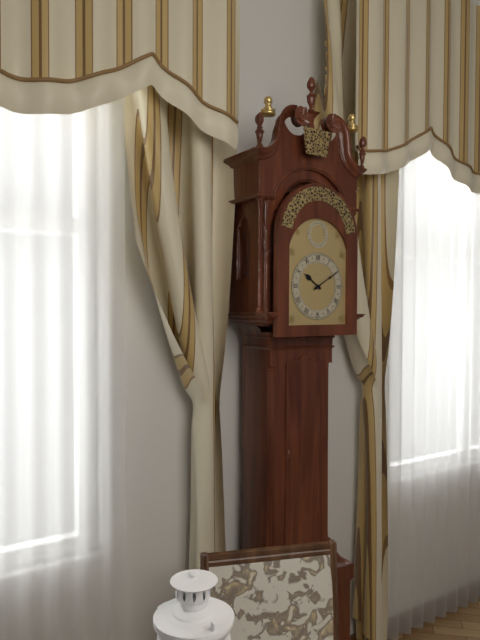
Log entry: 10,10
